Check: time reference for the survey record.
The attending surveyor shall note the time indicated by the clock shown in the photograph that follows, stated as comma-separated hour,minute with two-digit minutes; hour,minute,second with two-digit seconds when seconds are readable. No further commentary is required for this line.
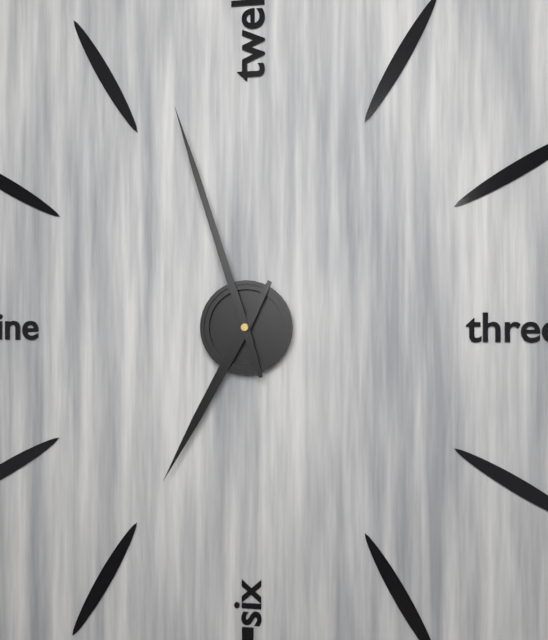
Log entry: 6,57
